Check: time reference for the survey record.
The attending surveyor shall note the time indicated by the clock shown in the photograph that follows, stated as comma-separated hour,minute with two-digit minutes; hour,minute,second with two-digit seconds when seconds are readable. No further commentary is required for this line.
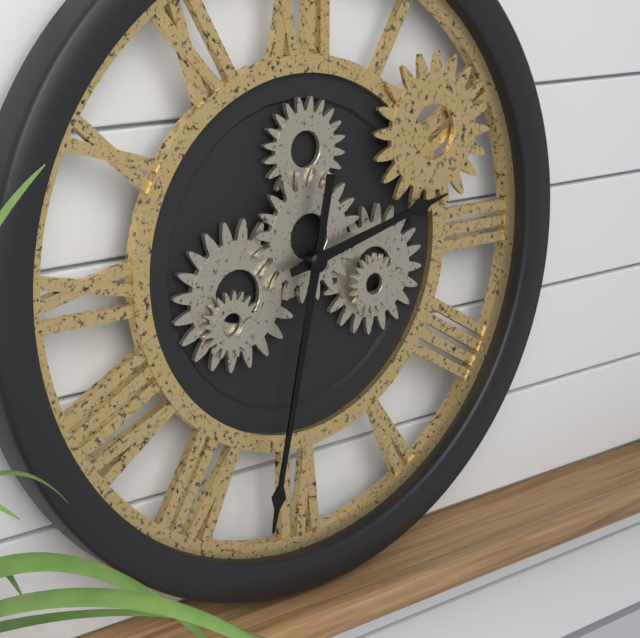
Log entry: 2,32
